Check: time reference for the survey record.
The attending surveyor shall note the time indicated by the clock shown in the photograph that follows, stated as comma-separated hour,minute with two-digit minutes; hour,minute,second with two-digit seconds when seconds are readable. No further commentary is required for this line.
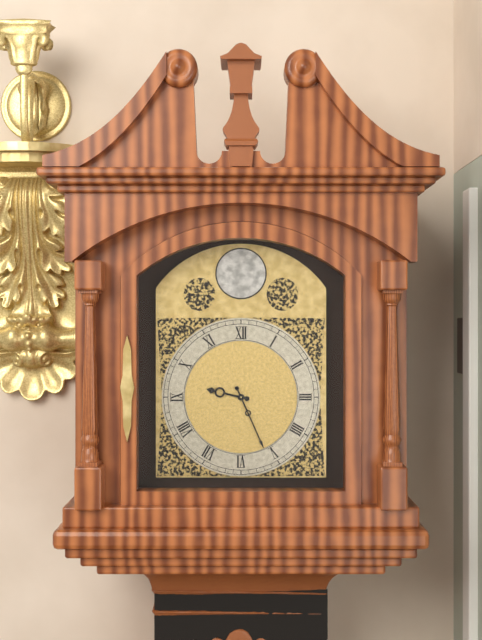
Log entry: 9,26
